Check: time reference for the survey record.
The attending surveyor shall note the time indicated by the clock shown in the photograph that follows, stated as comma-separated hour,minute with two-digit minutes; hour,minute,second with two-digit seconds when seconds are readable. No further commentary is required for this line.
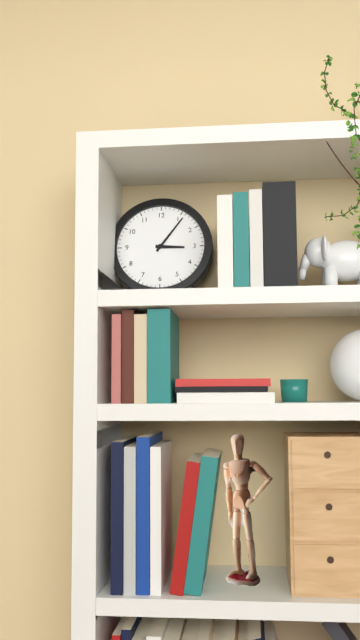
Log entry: 3,06
